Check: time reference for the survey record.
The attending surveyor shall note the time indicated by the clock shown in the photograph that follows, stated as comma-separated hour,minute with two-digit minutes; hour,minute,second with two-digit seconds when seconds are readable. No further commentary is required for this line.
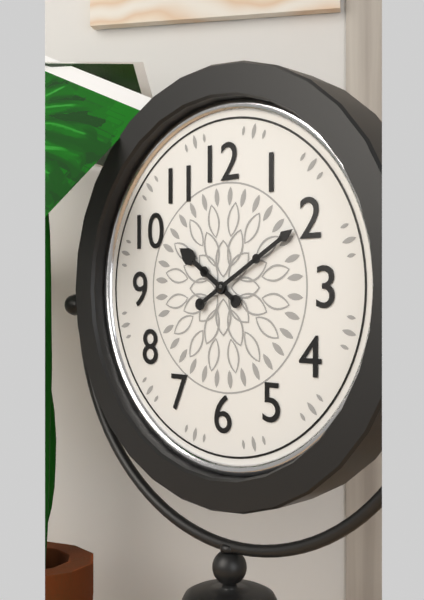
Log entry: 10,10
